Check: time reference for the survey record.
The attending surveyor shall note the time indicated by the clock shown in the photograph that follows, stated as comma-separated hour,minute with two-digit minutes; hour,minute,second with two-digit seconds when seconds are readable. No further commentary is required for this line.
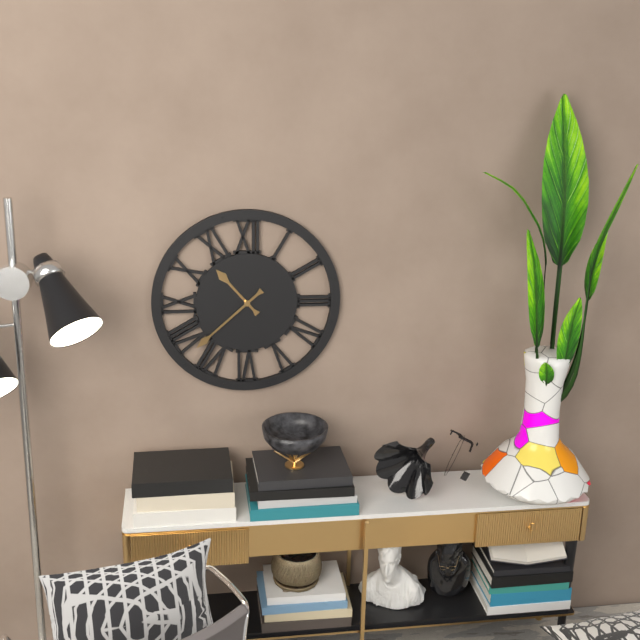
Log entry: 10,38
